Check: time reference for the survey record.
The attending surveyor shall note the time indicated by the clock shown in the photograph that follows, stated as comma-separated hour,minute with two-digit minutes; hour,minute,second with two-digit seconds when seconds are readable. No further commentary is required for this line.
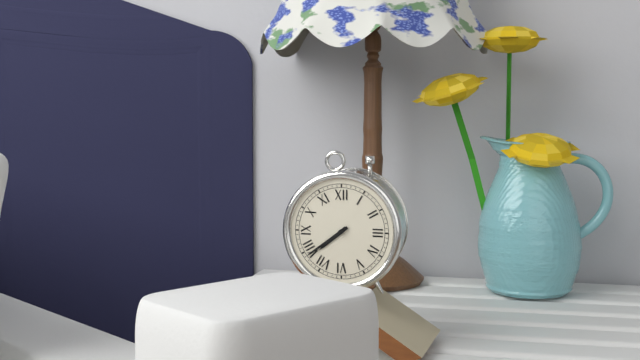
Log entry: 7,39
